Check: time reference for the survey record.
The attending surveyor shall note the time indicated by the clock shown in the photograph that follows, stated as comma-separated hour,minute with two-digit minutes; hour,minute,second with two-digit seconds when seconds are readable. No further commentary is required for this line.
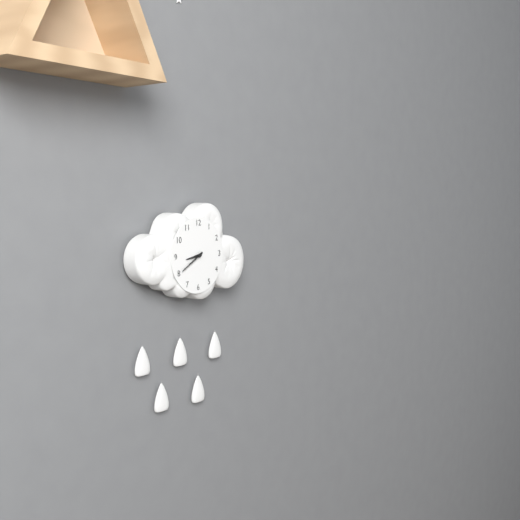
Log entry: 8,40
